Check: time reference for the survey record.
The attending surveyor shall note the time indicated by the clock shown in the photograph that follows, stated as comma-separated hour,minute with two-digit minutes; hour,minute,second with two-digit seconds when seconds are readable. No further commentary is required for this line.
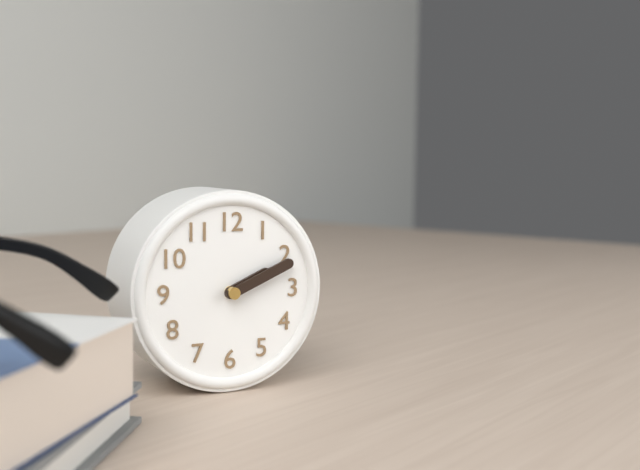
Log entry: 2,11
